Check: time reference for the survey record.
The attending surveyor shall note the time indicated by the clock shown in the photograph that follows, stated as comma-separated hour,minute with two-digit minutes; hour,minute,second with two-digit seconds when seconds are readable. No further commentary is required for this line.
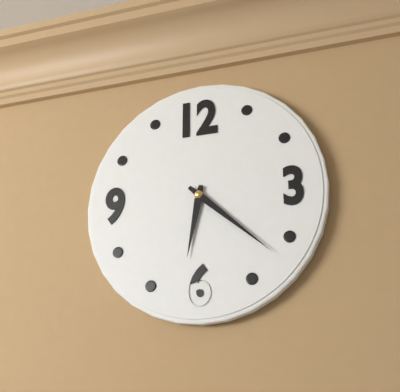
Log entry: 6,22
